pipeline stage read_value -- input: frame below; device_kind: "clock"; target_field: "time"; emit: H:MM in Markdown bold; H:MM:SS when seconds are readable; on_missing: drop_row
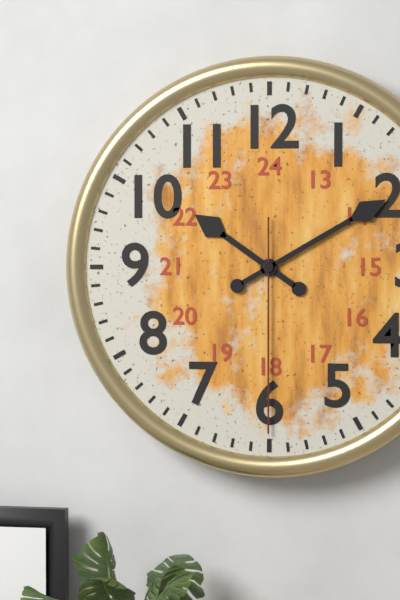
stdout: **10:10:30**
